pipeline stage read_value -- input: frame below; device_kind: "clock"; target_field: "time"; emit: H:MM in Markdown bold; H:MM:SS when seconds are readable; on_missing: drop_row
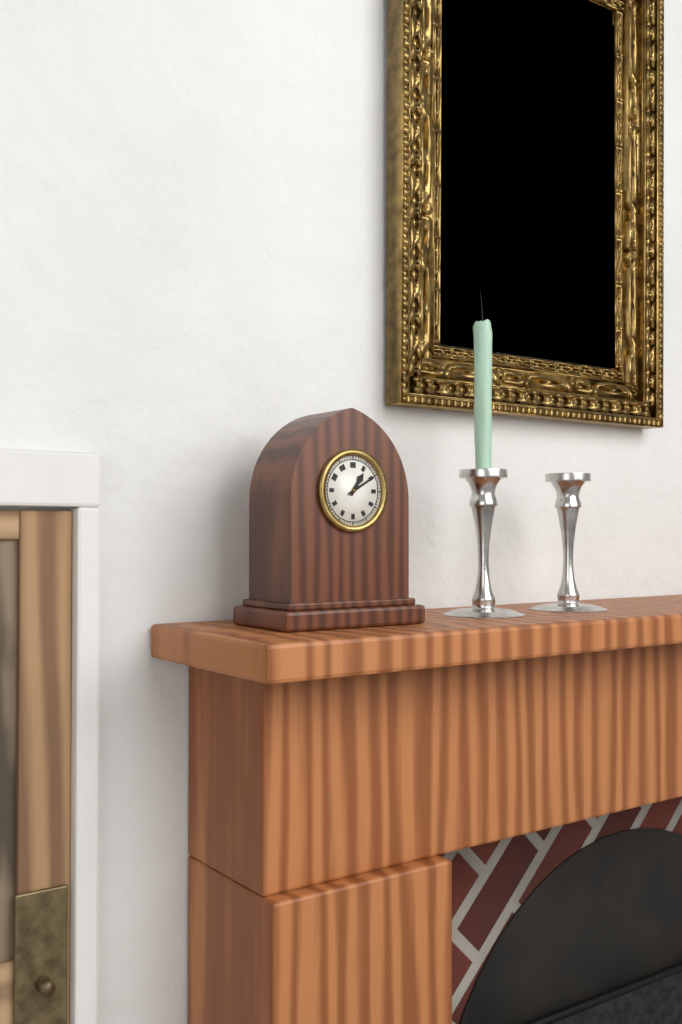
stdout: **1:10**
